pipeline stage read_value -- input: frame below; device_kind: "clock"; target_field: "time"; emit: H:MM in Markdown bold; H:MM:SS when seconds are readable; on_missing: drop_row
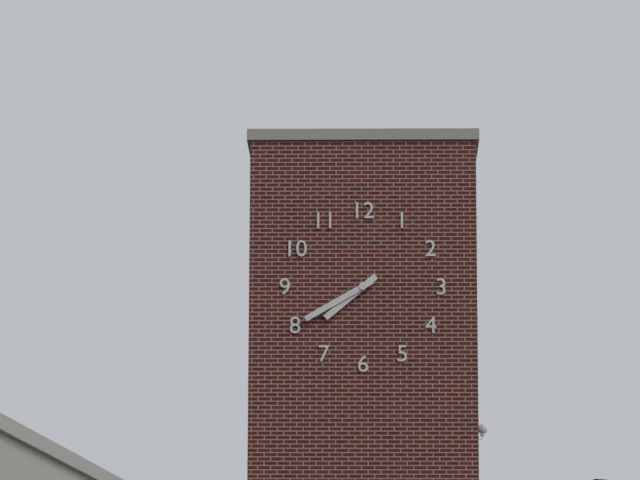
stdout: **7:40**
